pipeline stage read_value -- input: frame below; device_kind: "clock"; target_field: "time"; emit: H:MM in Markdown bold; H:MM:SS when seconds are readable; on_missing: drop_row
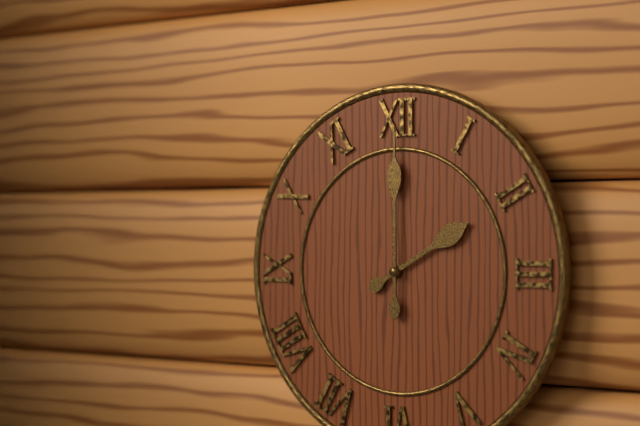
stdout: **2:00**
